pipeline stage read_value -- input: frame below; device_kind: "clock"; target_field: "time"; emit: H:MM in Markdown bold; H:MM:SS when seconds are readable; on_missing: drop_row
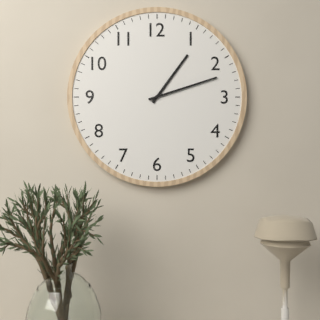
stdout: **1:12**
